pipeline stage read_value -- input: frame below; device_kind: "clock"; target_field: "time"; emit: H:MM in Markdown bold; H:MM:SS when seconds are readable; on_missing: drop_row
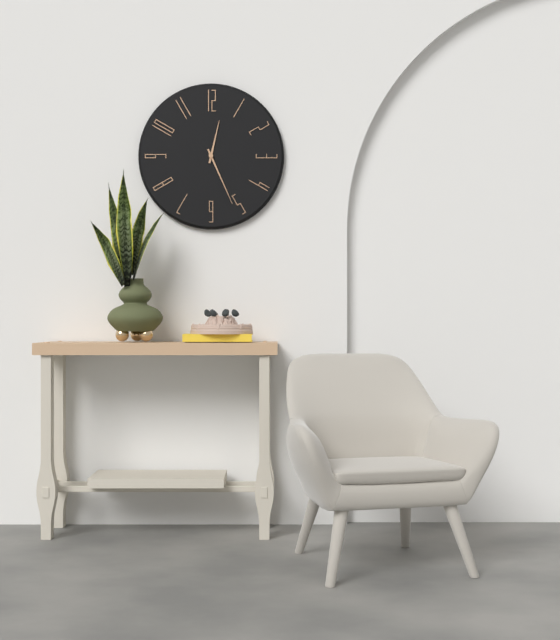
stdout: **12:26**
